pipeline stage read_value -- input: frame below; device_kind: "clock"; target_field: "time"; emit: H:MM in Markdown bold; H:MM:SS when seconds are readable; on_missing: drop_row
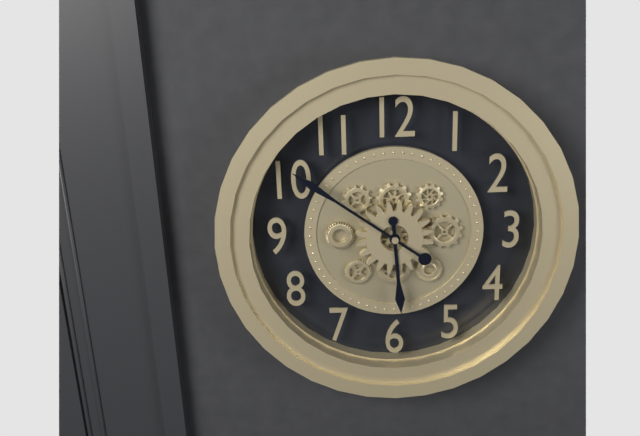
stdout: **5:51**
